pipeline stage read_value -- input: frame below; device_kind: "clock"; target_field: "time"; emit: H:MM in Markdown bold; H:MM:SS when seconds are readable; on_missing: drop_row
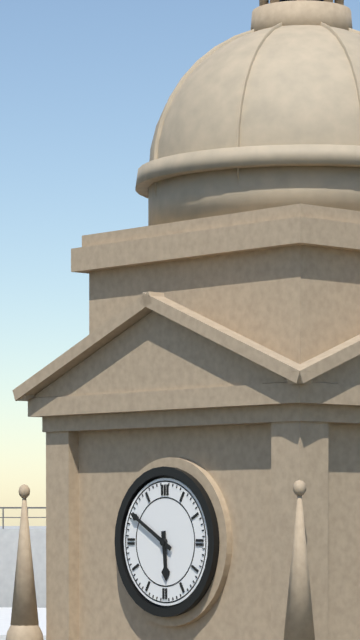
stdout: **5:50**
